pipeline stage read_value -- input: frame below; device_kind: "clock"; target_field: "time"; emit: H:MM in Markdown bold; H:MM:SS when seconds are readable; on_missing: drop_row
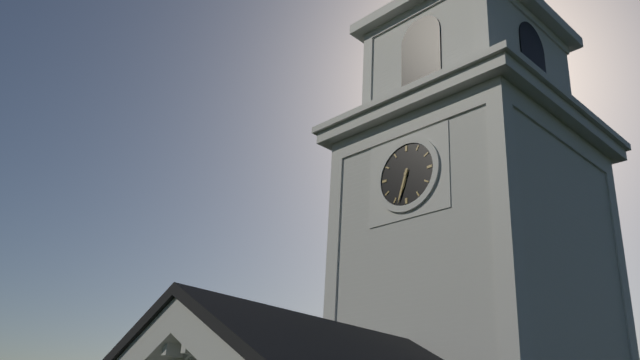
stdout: **6:33**
